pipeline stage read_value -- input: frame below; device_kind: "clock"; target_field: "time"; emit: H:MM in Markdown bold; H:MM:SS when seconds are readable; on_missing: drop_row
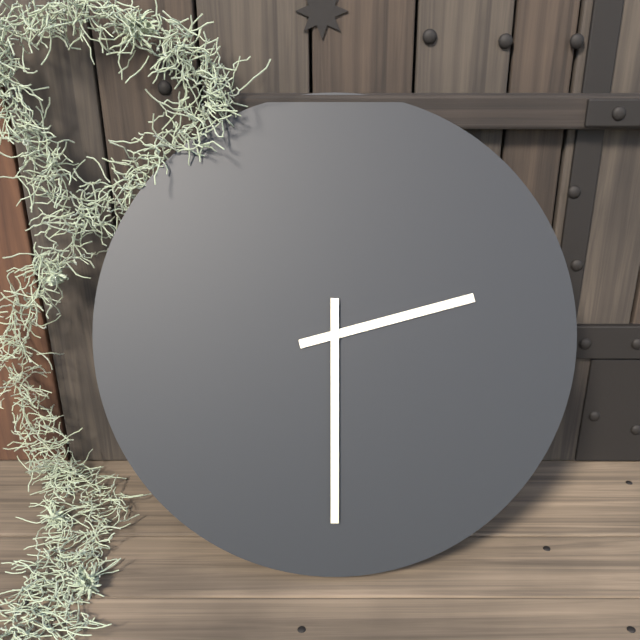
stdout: **2:30**
